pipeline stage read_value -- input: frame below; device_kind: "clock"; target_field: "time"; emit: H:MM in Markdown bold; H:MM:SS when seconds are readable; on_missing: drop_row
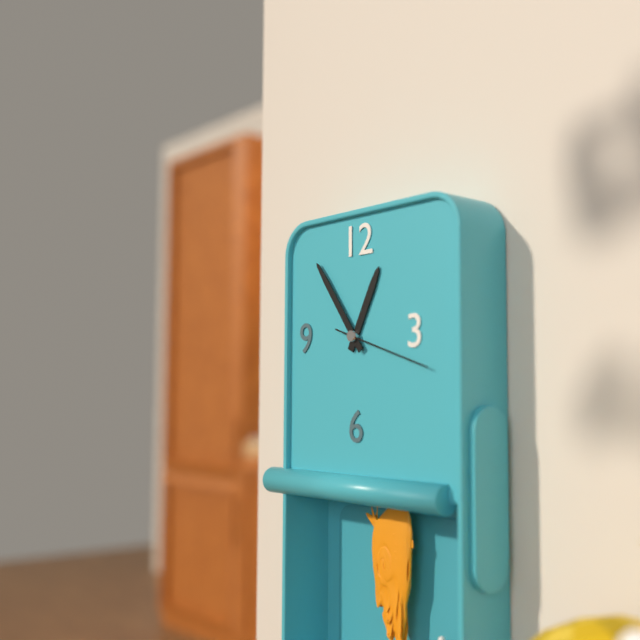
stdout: **12:54**
